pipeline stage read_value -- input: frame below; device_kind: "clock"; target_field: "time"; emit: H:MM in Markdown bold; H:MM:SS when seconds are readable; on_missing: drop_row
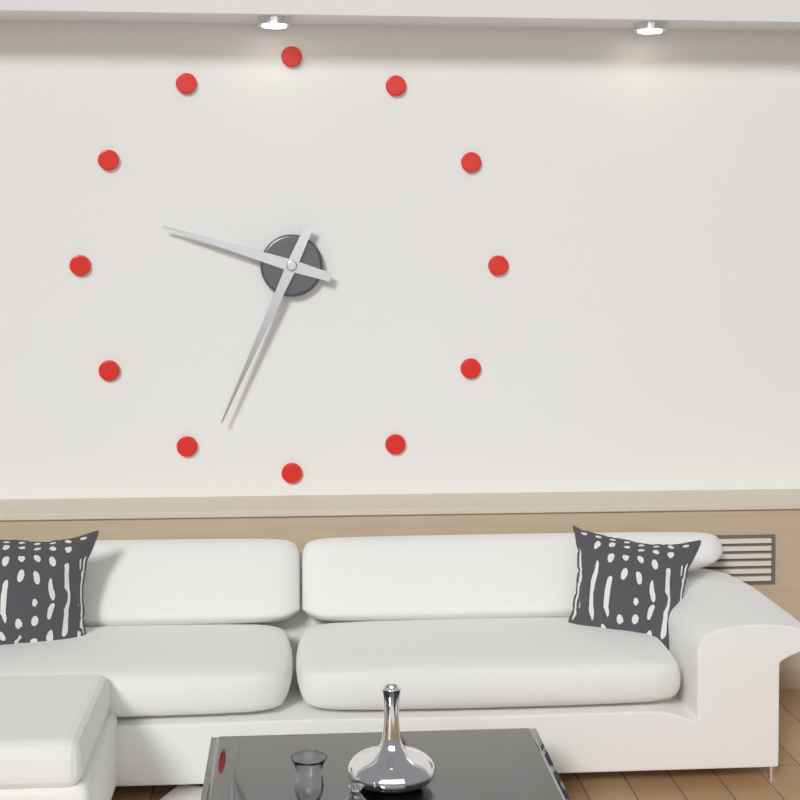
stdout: **9:34**
